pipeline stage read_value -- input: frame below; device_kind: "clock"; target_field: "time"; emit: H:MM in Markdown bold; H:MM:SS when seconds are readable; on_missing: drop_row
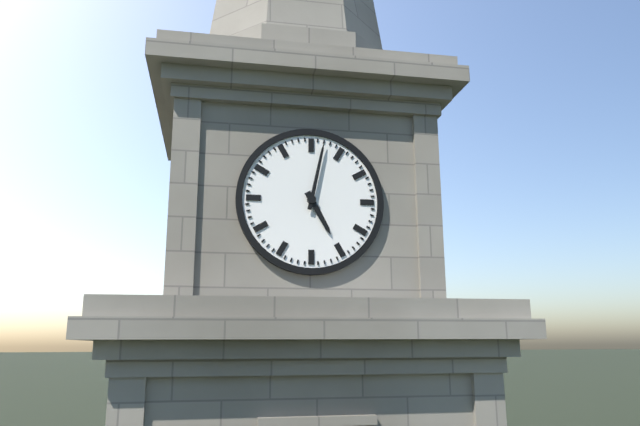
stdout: **5:02**
